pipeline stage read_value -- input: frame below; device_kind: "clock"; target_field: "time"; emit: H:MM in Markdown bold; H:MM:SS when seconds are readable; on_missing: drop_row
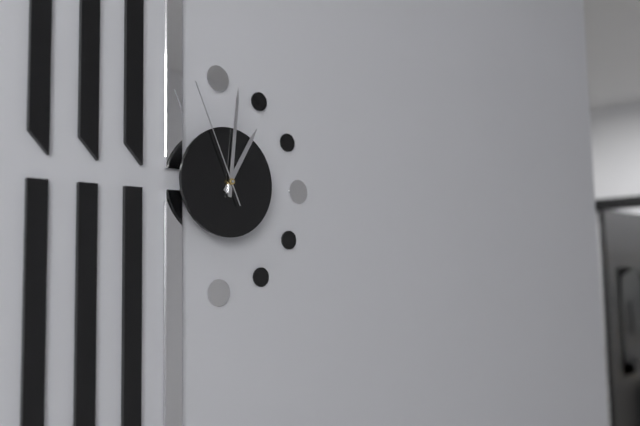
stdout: **1:01:56**
